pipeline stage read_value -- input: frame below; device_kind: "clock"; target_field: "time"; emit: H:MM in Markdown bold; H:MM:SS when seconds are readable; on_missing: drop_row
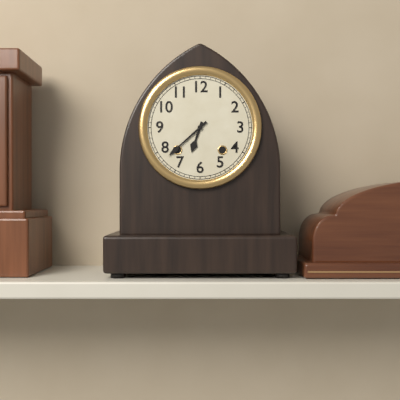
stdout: **6:38**
